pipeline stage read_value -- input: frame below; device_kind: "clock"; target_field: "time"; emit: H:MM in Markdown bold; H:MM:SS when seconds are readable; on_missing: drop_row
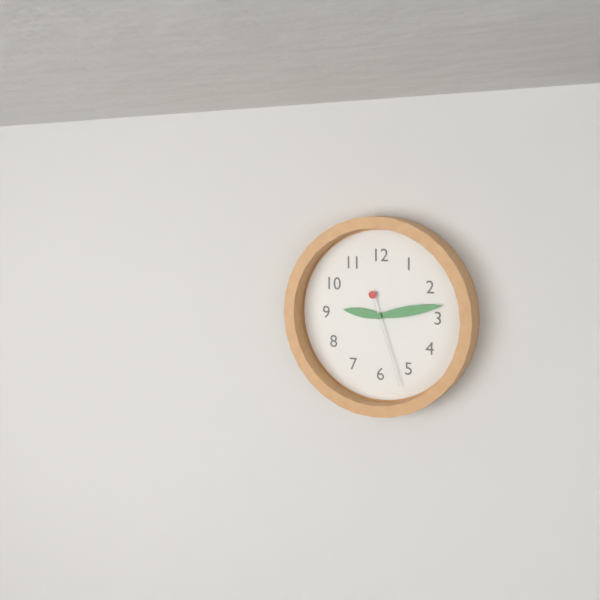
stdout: **9:13:27**
